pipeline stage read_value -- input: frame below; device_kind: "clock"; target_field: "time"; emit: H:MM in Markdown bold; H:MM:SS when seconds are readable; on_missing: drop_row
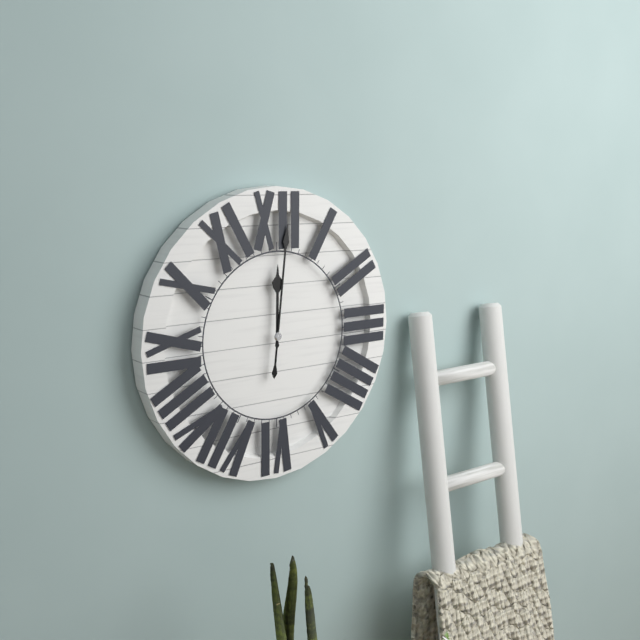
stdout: **12:01**
